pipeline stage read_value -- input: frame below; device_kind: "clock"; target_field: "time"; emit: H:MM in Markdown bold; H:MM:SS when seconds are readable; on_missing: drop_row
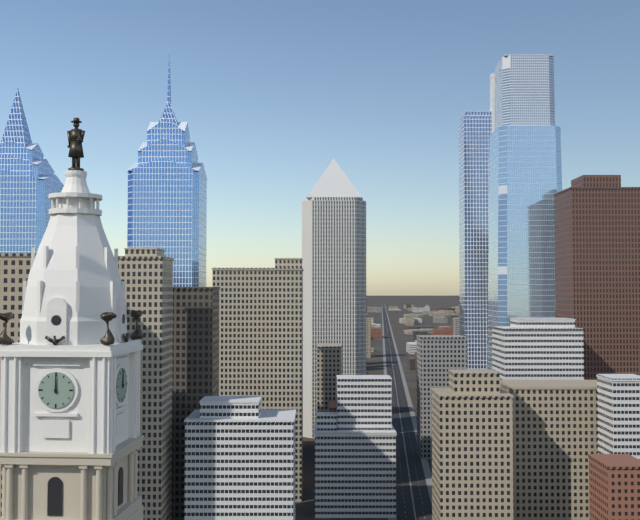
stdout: **12:00**
